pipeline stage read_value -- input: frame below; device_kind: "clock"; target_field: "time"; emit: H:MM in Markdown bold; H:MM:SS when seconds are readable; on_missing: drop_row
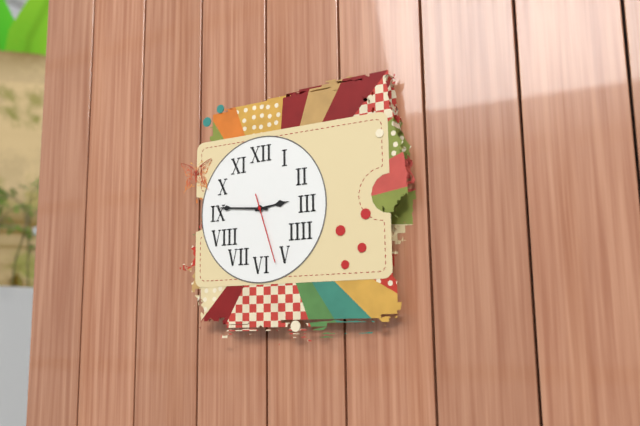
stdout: **2:46:27**
